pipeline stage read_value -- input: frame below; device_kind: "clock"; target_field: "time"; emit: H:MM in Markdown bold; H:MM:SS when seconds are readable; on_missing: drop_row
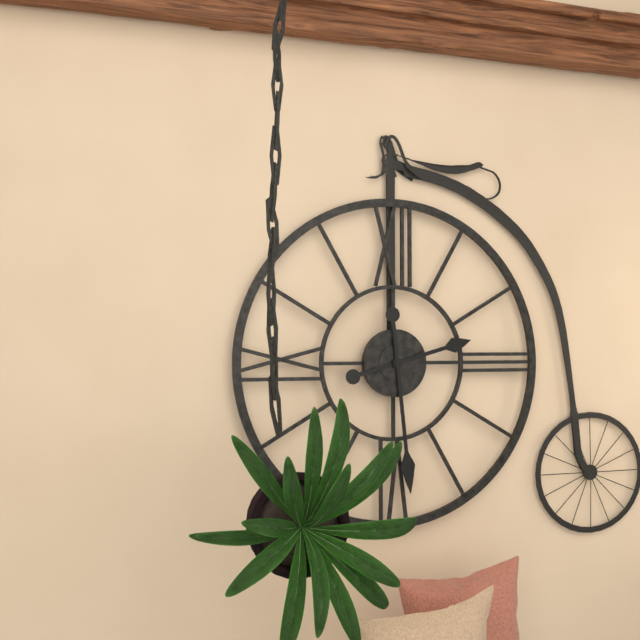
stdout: **2:29**
